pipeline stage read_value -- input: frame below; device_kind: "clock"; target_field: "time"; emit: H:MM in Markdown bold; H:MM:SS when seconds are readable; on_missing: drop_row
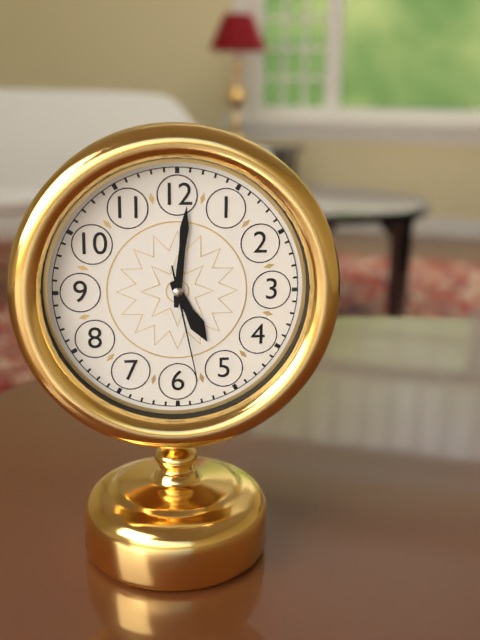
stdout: **5:01:28**
